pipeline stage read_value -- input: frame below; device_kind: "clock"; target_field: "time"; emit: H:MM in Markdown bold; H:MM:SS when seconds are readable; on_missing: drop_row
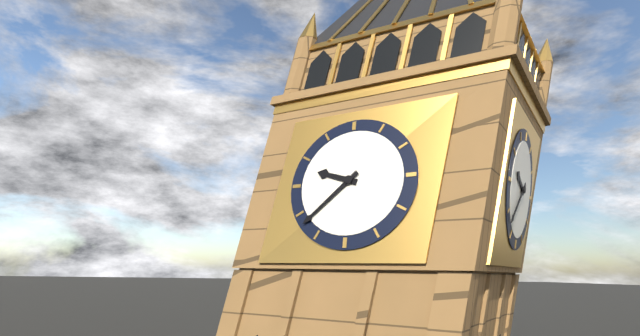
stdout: **9:38**
